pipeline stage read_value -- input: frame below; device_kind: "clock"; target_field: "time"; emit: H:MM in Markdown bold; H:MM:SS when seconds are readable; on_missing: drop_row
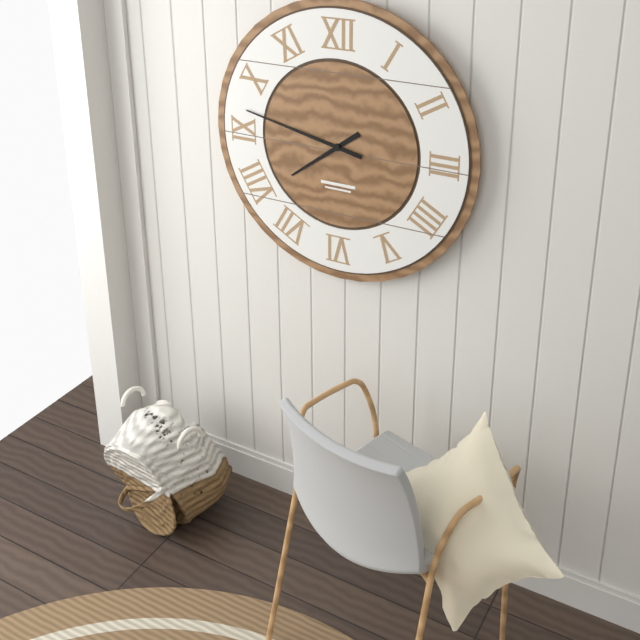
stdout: **7:47**
